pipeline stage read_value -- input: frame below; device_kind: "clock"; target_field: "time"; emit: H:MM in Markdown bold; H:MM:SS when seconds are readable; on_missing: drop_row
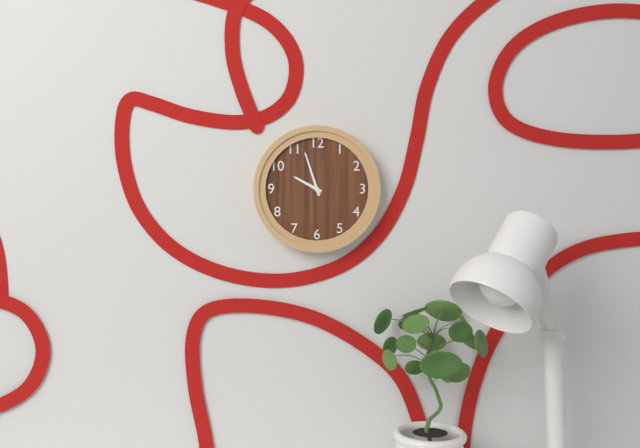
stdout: **9:57**
